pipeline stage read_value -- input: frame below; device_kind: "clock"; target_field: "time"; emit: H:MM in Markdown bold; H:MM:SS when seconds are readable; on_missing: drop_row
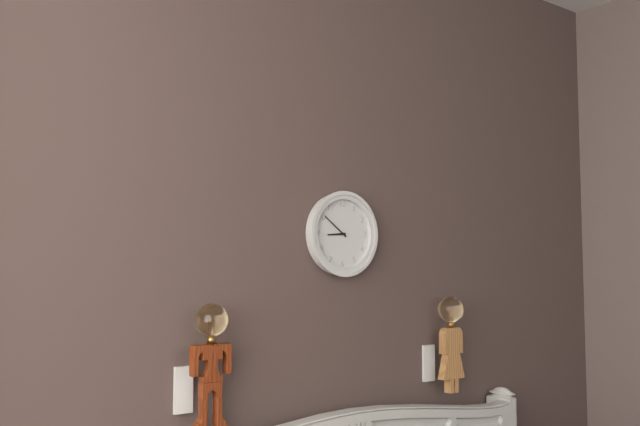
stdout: **8:51**
